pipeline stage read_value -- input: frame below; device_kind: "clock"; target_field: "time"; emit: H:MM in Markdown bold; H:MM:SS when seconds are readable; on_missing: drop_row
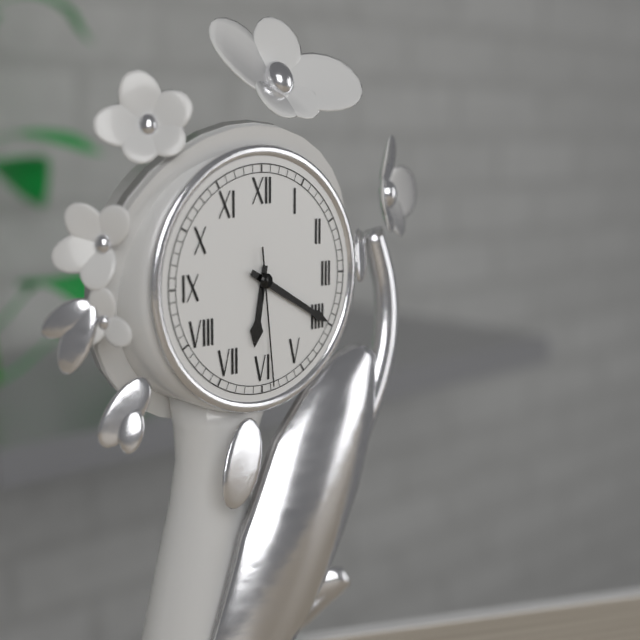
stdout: **6:20:29**
